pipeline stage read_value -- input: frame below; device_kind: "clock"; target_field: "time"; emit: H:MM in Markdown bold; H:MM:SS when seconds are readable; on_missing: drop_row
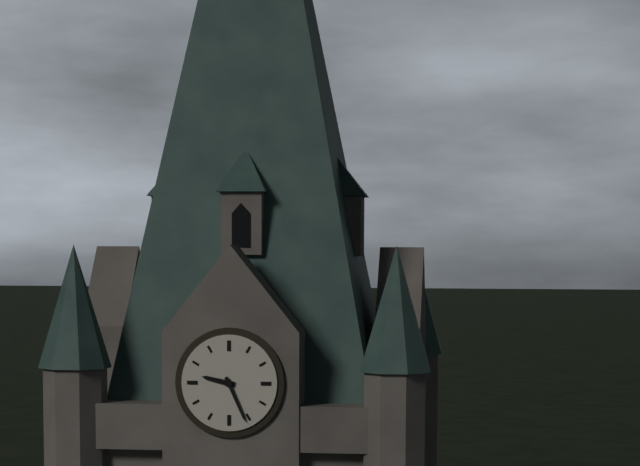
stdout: **9:26**
